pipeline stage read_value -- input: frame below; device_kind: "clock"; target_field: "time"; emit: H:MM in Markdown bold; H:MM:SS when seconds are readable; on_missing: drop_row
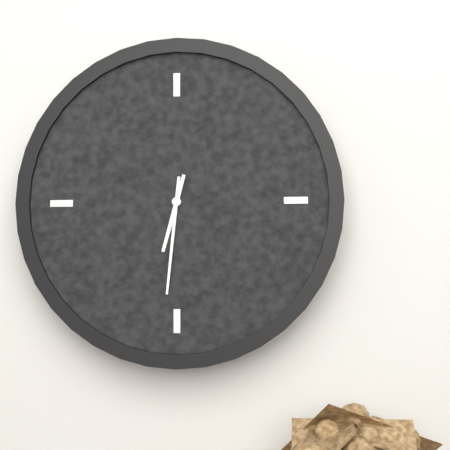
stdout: **6:31**
